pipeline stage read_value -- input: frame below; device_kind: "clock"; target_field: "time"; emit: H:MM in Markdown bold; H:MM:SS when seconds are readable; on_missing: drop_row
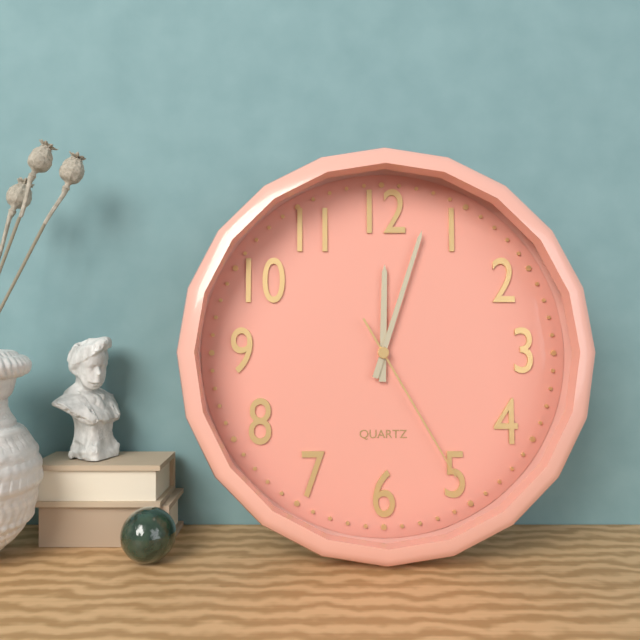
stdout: **12:03:25**
